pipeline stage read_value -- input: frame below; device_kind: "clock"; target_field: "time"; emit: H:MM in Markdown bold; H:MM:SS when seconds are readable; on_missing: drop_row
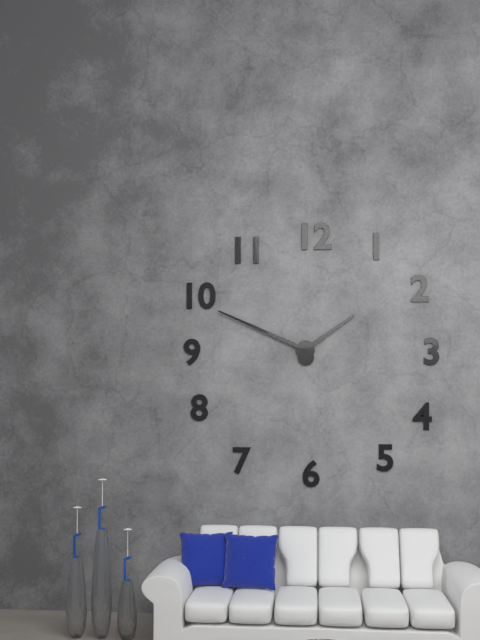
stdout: **1:49**
